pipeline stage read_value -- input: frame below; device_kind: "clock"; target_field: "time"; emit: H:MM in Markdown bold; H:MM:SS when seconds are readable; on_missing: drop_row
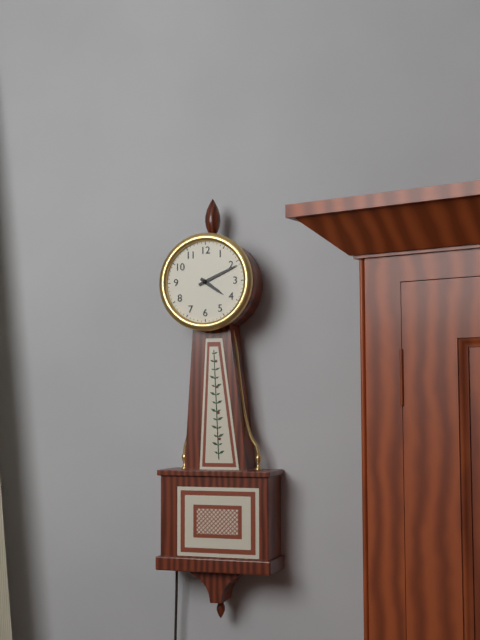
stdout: **4:11**
